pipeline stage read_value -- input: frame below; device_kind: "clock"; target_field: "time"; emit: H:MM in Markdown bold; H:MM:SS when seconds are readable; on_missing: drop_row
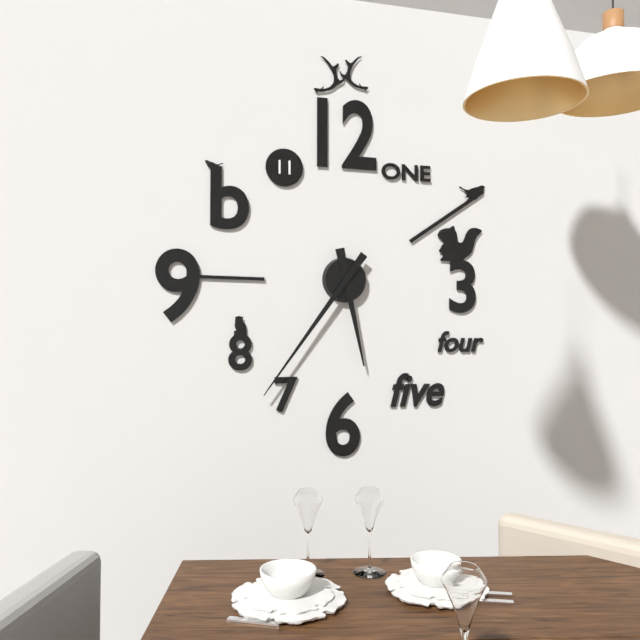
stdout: **5:36**
